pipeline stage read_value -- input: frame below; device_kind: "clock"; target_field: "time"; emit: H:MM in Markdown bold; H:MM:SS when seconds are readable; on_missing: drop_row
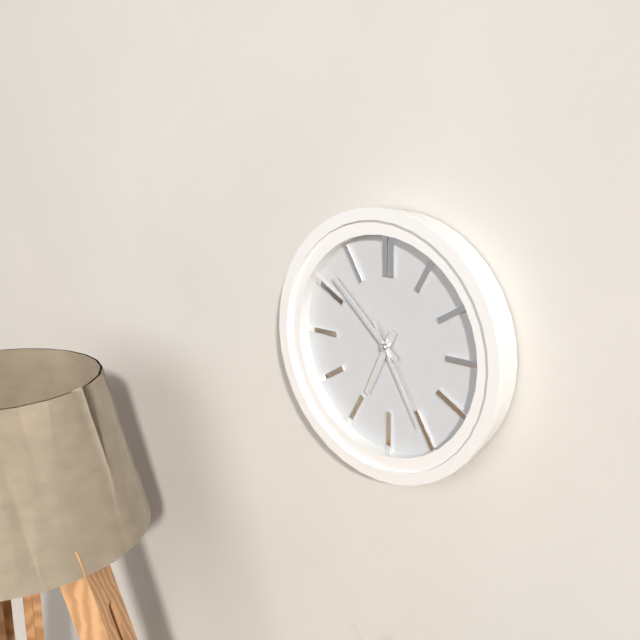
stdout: **6:52:25**
